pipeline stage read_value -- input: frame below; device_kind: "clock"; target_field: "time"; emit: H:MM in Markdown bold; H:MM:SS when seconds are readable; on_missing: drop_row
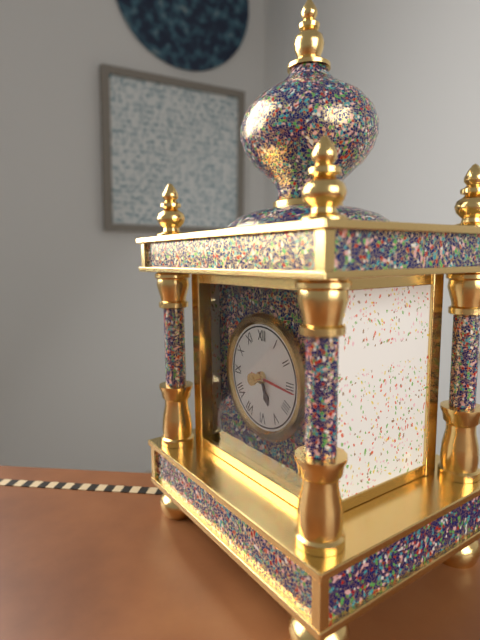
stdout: **5:16**
